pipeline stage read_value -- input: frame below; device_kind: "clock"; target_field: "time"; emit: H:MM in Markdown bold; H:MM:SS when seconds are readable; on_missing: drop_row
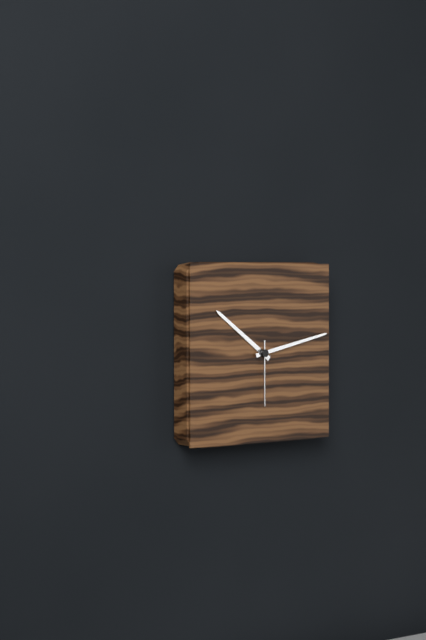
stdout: **10:13:30**
